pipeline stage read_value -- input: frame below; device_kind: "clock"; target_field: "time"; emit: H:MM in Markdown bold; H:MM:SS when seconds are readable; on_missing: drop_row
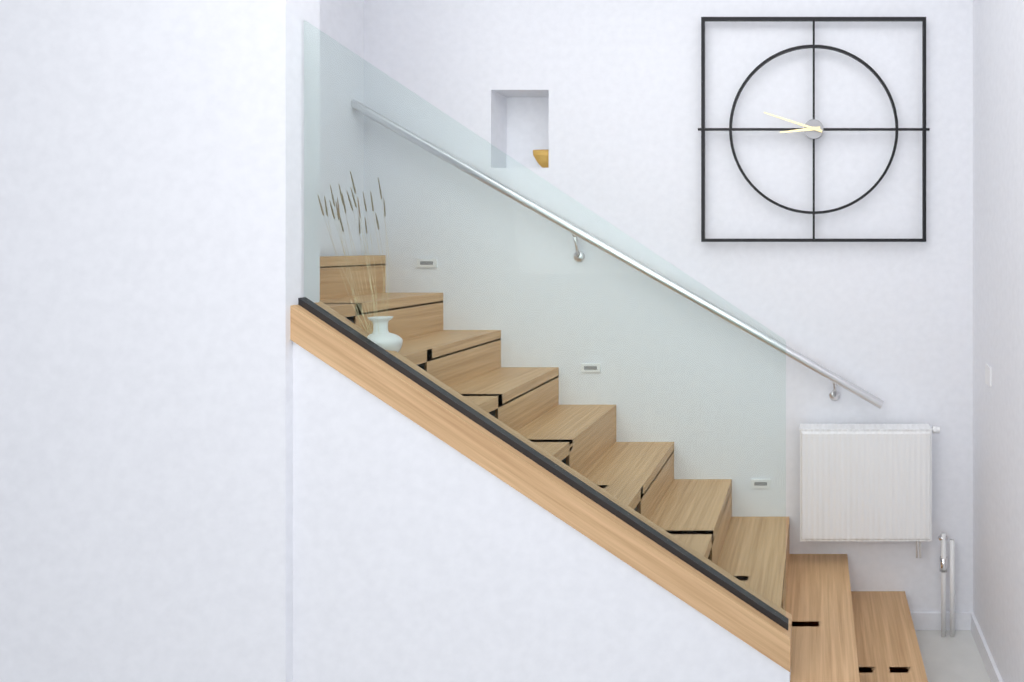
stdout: **8:48**
